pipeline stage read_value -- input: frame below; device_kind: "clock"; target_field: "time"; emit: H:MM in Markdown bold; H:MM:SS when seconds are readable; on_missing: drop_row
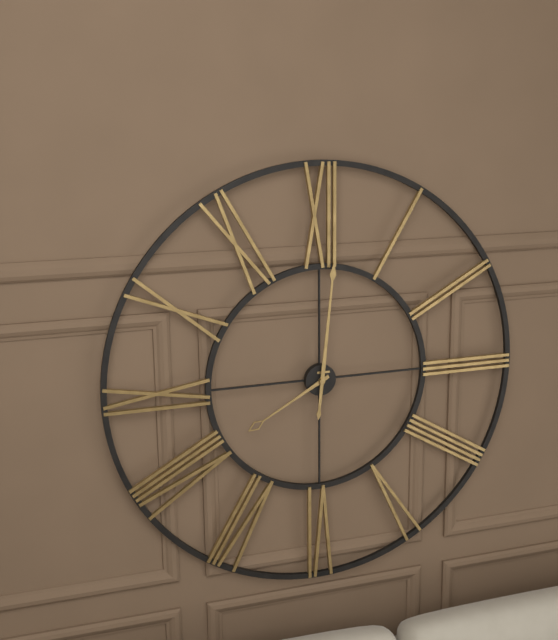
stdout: **8:01**
